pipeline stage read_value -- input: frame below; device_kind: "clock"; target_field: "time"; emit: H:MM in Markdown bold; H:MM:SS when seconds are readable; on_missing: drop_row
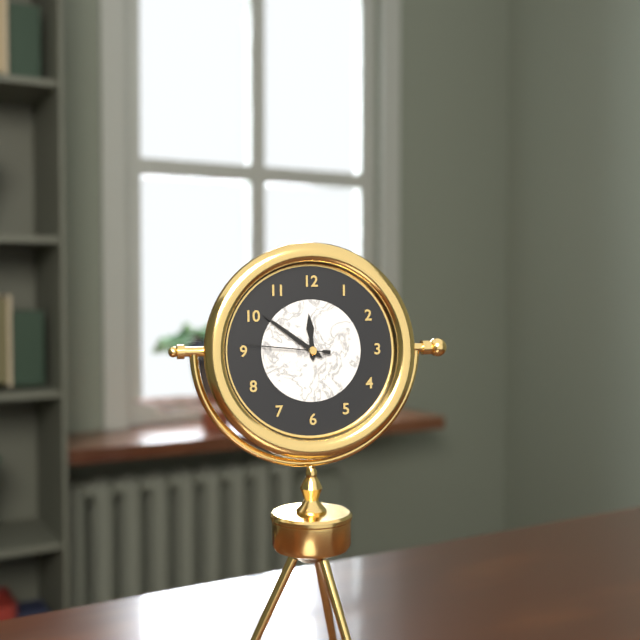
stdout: **11:51:46**
